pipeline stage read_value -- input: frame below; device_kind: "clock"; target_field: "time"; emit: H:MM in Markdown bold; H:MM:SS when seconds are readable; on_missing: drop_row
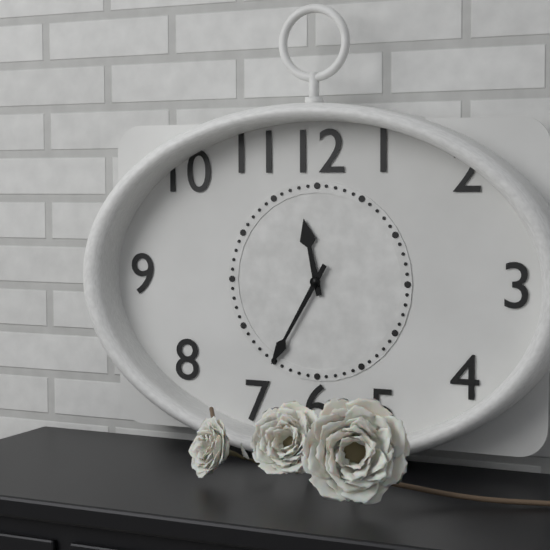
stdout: **11:35**
